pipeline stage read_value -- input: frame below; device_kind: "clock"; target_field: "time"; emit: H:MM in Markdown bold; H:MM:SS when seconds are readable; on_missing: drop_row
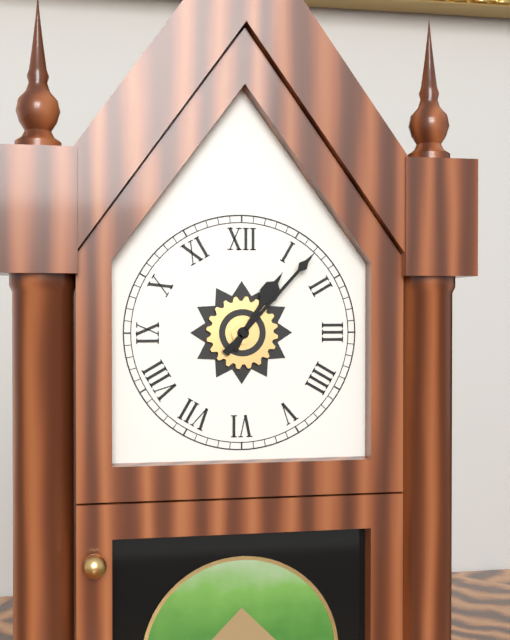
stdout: **1:07**
